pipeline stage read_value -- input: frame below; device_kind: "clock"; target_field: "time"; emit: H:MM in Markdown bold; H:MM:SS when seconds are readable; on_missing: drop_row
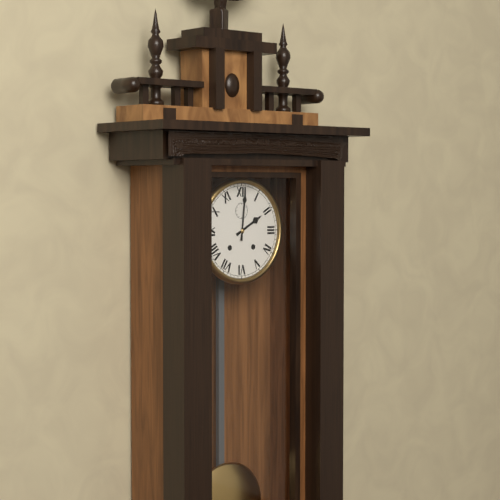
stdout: **2:01**
